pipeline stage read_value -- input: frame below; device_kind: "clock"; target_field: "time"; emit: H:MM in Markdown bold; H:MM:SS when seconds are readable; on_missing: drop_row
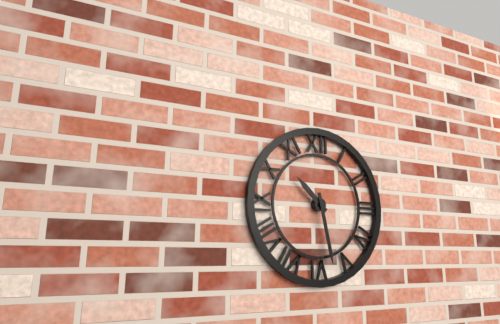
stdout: **10:28**
